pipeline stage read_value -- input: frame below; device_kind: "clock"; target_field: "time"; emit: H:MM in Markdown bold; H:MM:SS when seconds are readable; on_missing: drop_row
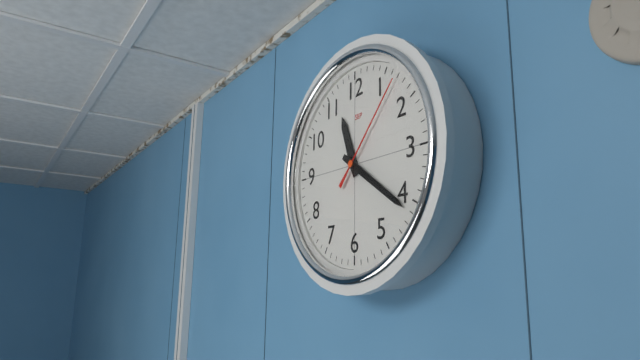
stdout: **11:21:07**
